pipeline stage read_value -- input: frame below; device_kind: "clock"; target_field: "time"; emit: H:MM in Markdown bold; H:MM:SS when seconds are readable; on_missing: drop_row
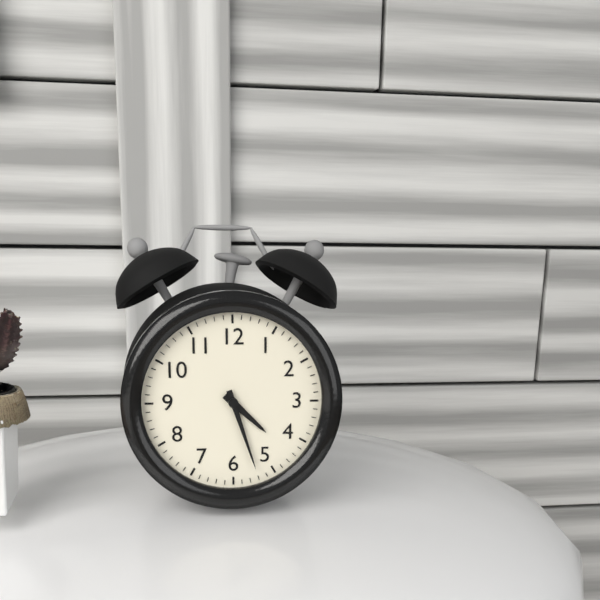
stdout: **4:27**
